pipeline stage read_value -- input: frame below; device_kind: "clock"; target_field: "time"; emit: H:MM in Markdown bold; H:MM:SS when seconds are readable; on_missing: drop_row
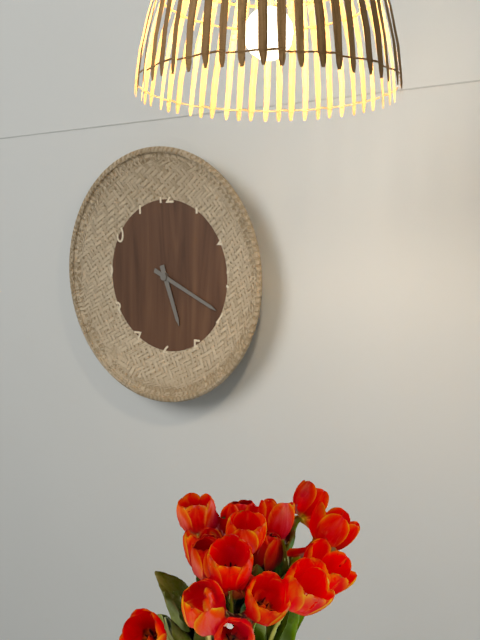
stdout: **5:19**
